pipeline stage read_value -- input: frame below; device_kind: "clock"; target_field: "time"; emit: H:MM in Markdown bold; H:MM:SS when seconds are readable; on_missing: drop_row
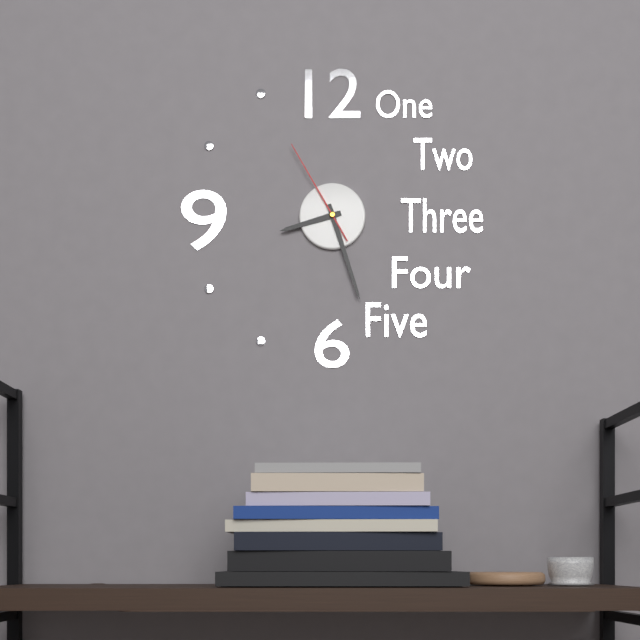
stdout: **8:27:55**
